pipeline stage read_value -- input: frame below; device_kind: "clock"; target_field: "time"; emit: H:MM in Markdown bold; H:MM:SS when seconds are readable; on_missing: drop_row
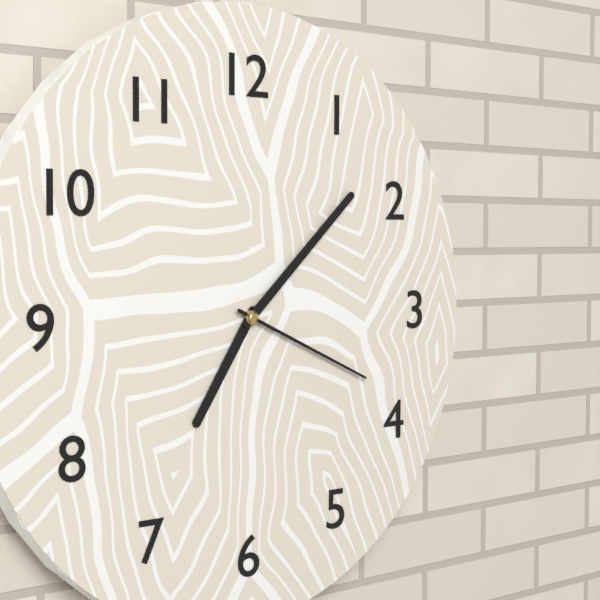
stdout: **7:08:19**
